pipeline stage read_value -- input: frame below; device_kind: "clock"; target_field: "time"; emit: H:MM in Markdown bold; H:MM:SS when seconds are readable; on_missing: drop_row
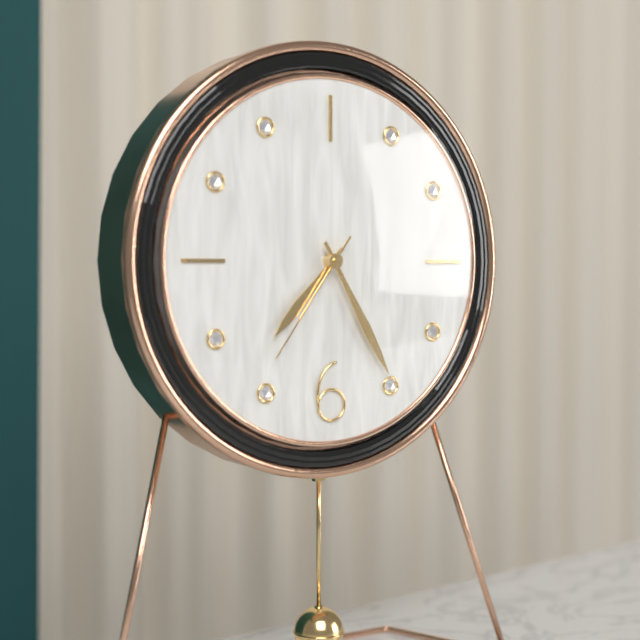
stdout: **7:25:36**
